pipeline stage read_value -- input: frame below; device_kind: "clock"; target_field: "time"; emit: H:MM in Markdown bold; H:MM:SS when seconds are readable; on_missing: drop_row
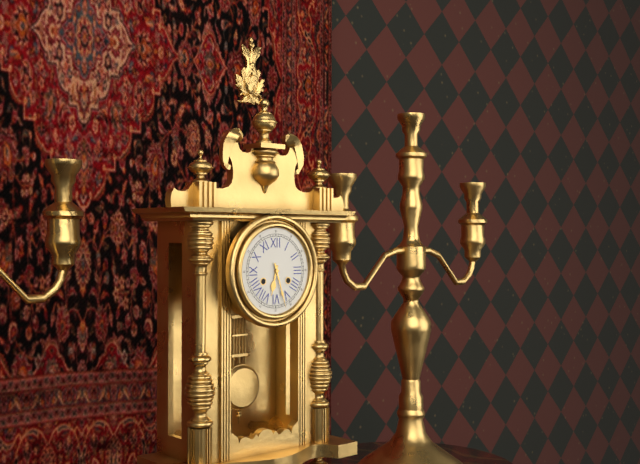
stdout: **6:27**
